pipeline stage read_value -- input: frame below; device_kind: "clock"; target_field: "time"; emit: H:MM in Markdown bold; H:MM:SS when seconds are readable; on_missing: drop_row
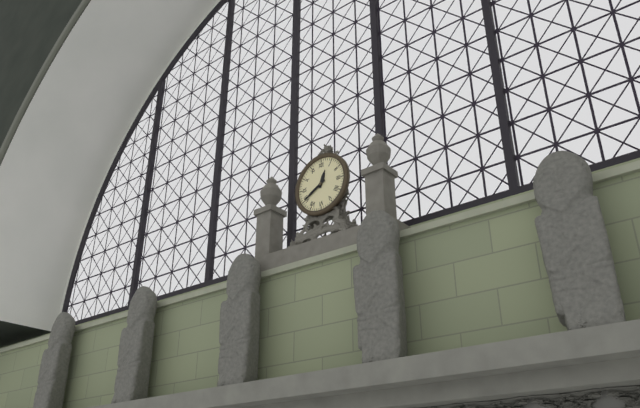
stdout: **12:40**
